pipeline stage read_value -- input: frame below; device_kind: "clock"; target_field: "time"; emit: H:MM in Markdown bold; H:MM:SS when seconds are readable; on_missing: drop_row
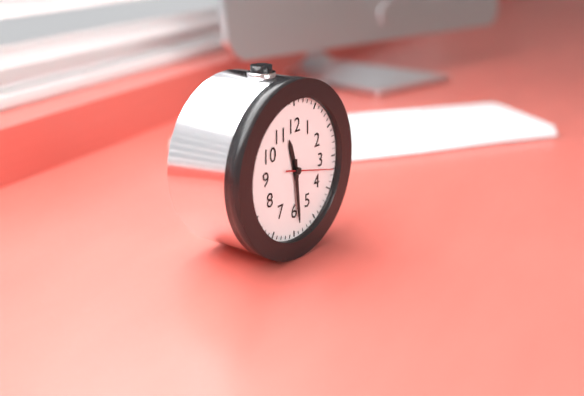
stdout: **11:29**
